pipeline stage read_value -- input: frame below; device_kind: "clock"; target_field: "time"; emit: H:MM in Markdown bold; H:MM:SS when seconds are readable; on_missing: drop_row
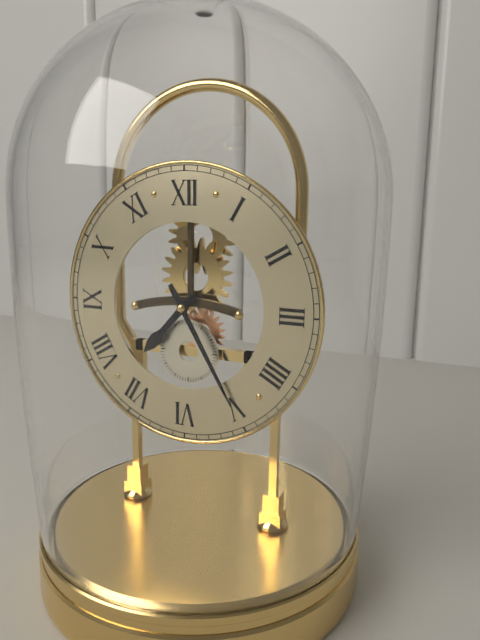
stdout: **7:25**
